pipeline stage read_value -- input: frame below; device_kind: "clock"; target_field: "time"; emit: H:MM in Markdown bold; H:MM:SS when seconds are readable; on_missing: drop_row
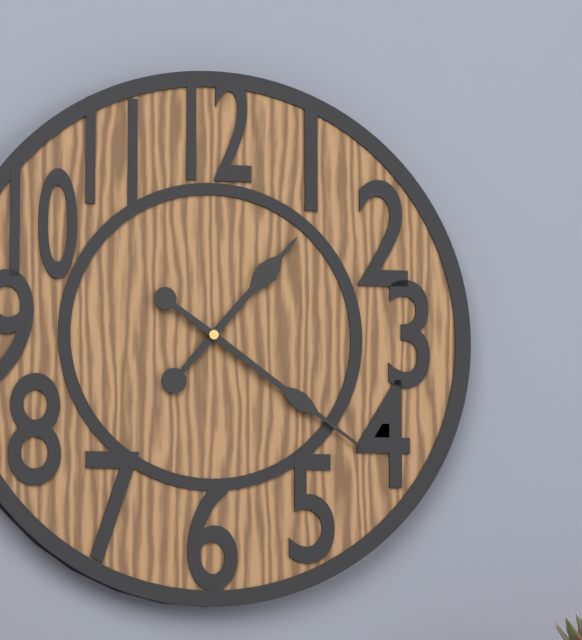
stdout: **1:21**
